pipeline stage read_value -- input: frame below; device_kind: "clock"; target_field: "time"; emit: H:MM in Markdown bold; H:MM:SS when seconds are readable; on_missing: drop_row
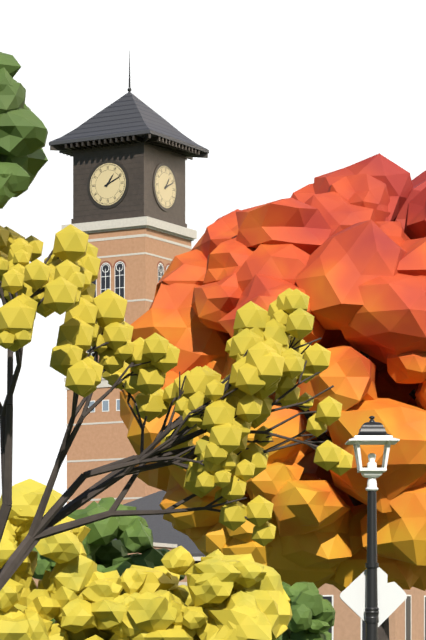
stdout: **1:11**
